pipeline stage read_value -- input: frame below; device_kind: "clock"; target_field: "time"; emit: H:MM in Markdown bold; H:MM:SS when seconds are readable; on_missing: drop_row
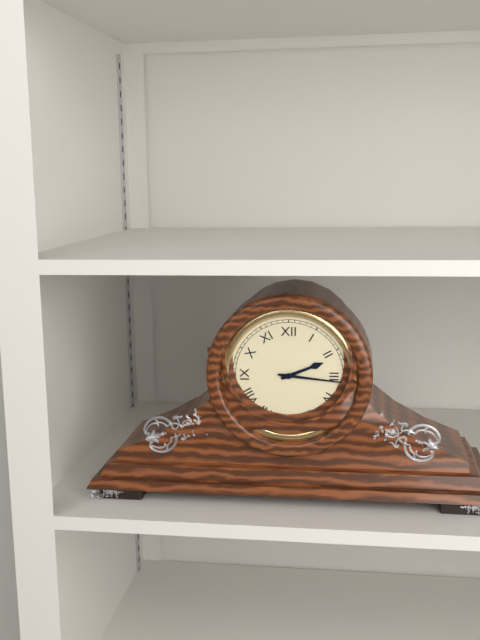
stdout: **2:16**
